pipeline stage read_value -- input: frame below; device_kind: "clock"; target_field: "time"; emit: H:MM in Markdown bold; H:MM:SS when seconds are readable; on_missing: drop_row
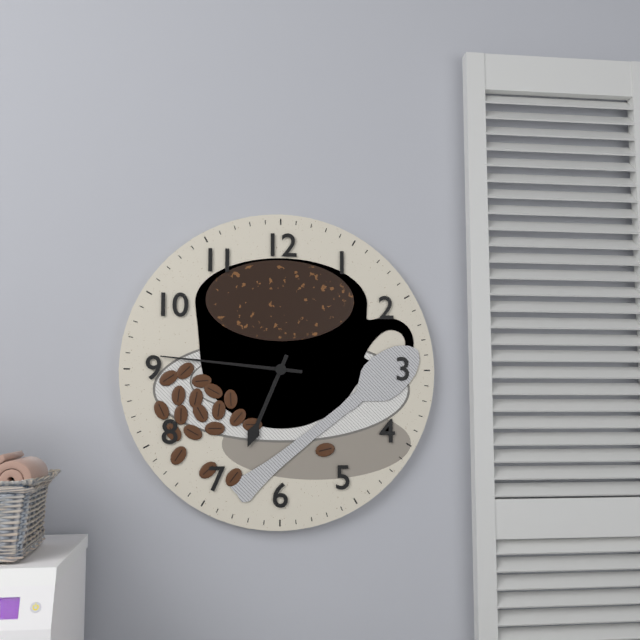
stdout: **6:46**
